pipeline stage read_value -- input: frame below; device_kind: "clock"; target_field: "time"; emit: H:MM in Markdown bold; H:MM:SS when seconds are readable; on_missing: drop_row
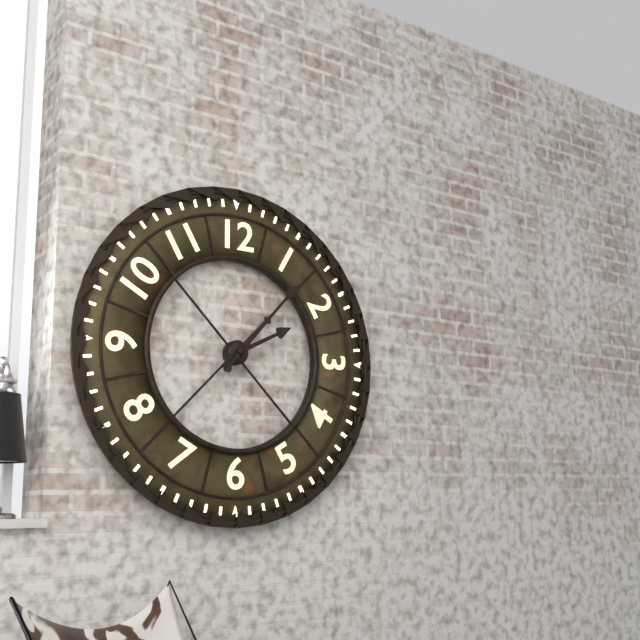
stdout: **2:07**
